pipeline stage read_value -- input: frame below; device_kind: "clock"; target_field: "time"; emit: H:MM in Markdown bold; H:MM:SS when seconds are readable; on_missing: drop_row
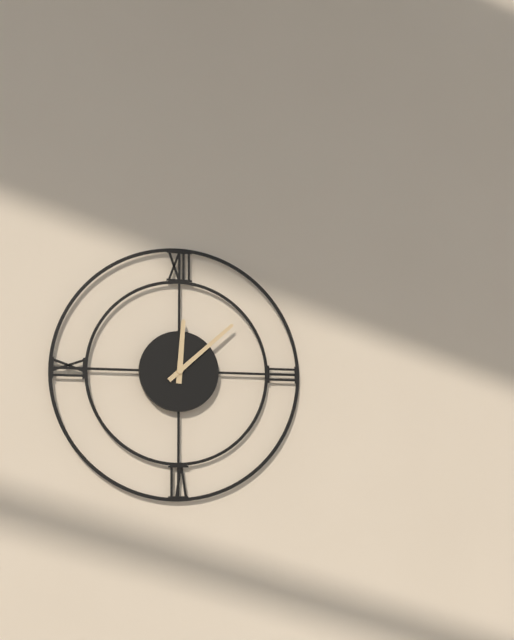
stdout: **12:08**
